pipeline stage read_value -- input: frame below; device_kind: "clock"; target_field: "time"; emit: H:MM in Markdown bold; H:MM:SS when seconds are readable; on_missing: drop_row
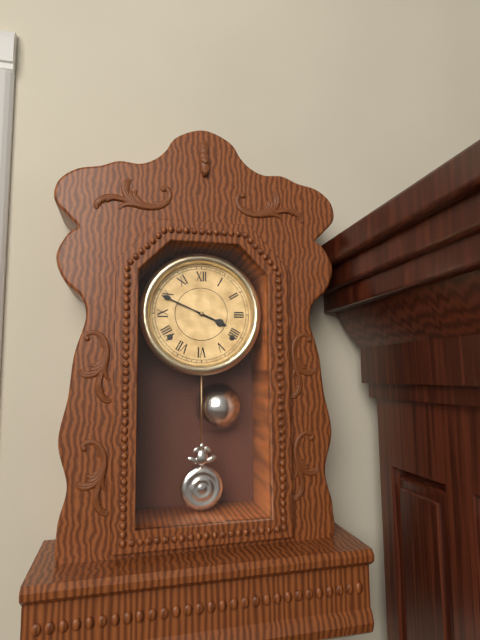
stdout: **3:49**
